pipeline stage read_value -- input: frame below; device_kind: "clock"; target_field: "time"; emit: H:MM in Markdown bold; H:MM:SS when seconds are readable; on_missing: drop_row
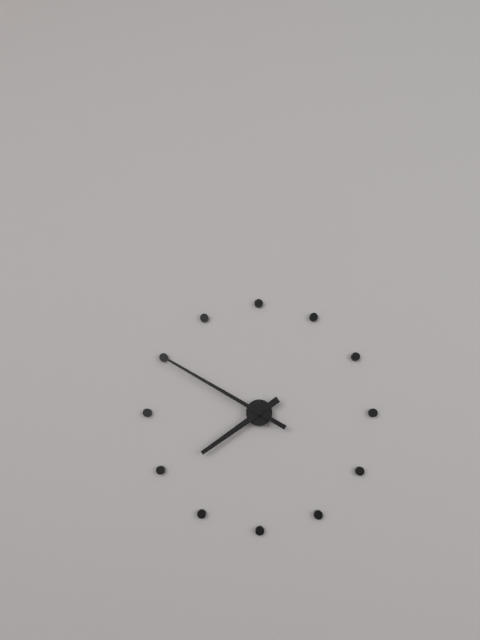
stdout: **7:50**
